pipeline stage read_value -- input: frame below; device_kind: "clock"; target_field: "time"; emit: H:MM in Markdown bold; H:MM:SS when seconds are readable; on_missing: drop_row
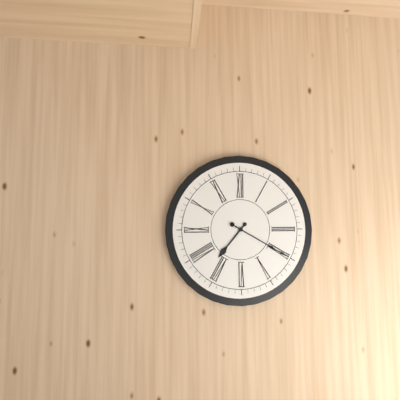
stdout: **7:20**
